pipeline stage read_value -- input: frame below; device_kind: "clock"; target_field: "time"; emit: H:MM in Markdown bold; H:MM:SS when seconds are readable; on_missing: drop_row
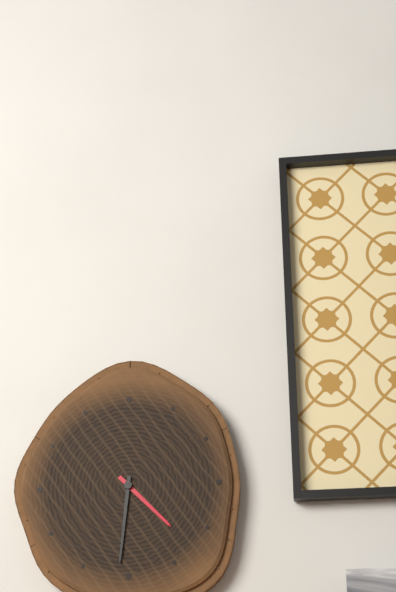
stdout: **4:31**
